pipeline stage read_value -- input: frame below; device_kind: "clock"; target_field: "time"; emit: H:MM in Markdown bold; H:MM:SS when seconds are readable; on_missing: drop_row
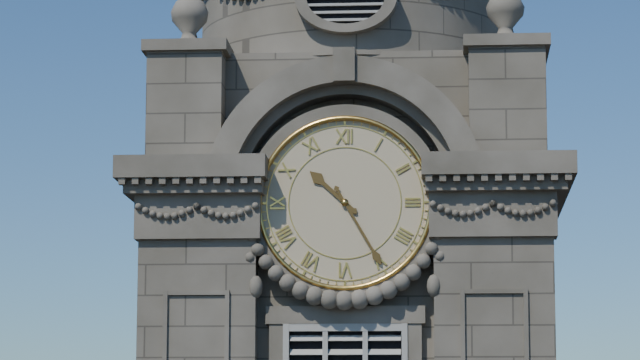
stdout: **10:25**
